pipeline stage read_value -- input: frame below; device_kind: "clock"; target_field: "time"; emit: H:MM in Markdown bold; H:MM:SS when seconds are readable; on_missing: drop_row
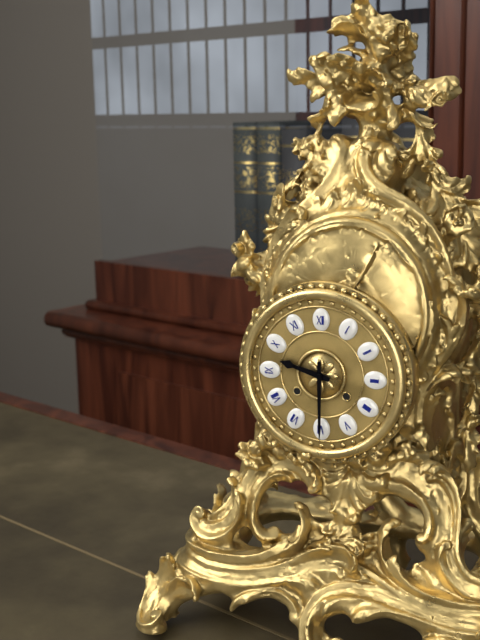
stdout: **9:30**
